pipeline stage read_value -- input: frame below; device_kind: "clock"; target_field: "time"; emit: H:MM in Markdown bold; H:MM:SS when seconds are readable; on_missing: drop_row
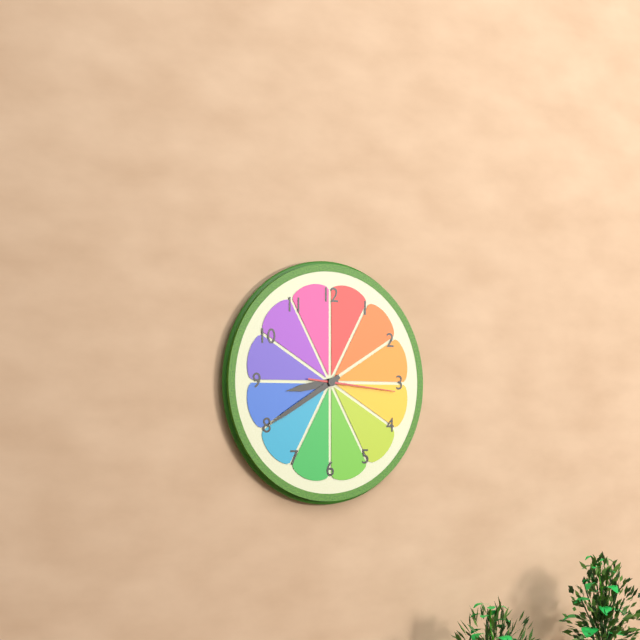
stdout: **8:40:16**
